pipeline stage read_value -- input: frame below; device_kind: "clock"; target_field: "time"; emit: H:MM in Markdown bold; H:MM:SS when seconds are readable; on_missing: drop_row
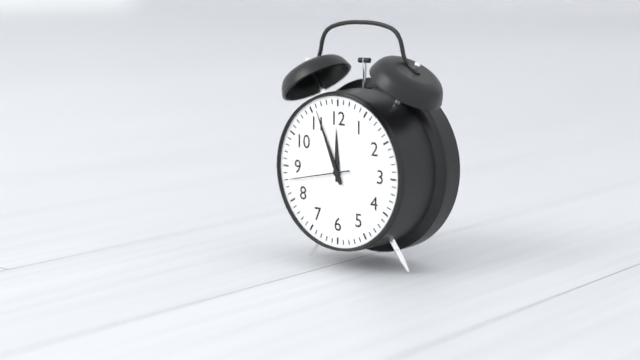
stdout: **11:56:43**
